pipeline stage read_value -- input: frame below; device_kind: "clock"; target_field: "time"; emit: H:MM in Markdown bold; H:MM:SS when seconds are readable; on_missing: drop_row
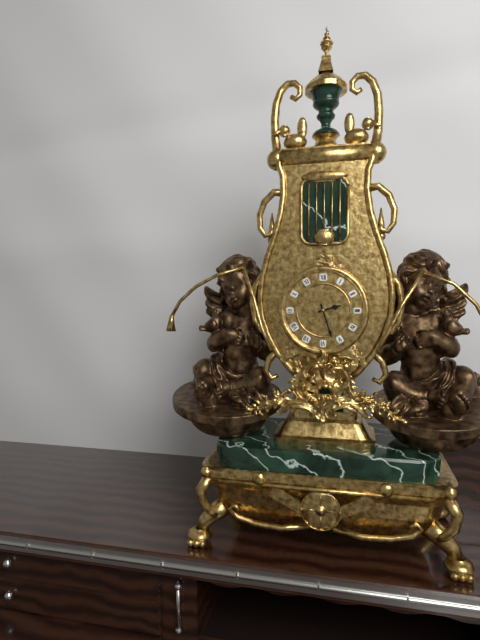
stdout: **2:27**
